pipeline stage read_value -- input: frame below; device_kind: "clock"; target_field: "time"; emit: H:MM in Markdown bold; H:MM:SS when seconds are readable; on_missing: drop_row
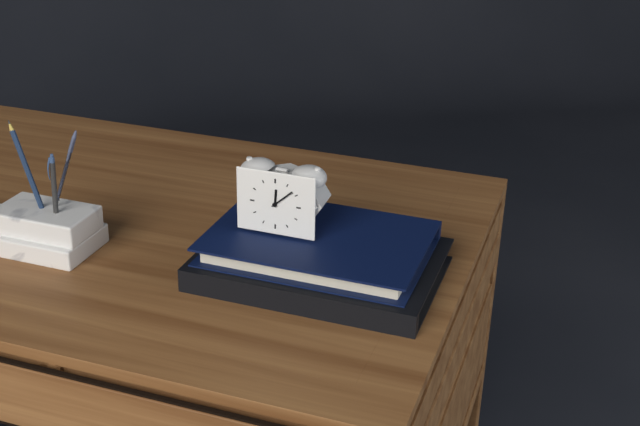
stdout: **12:08**
